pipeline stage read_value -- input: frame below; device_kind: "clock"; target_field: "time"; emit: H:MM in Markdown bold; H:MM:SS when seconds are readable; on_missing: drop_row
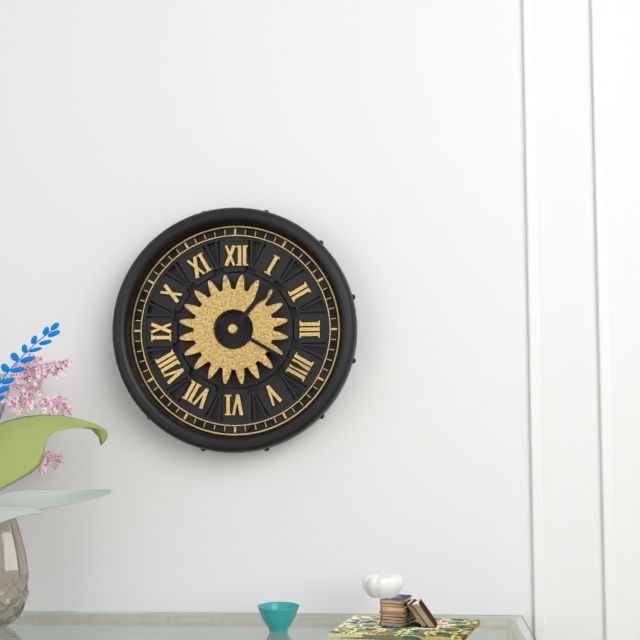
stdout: **1:20**
